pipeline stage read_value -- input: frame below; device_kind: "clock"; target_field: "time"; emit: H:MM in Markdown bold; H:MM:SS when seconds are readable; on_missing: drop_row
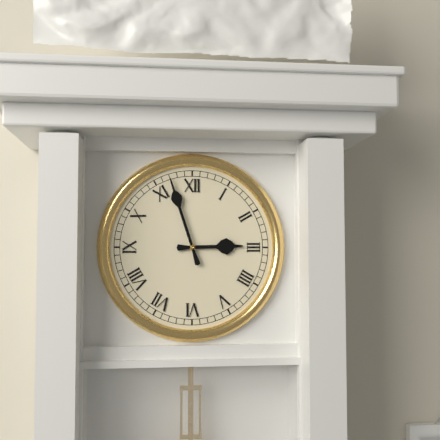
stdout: **2:57**
